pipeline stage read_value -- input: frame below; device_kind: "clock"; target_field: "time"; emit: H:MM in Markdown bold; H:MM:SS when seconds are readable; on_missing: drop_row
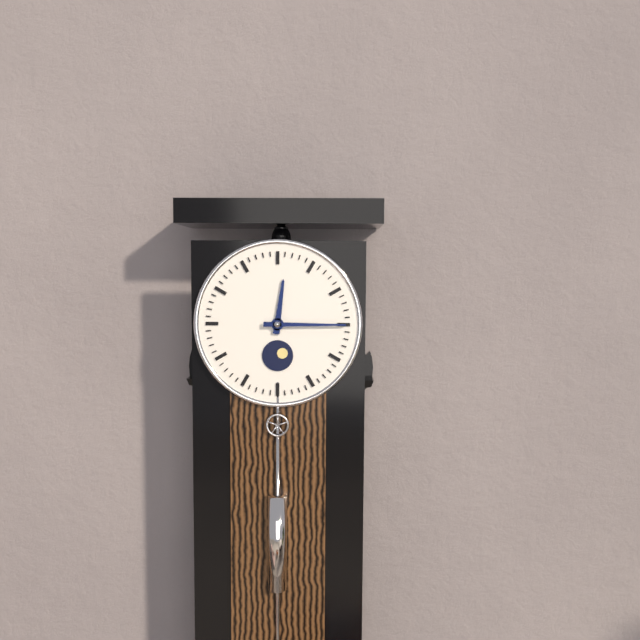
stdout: **12:15**
